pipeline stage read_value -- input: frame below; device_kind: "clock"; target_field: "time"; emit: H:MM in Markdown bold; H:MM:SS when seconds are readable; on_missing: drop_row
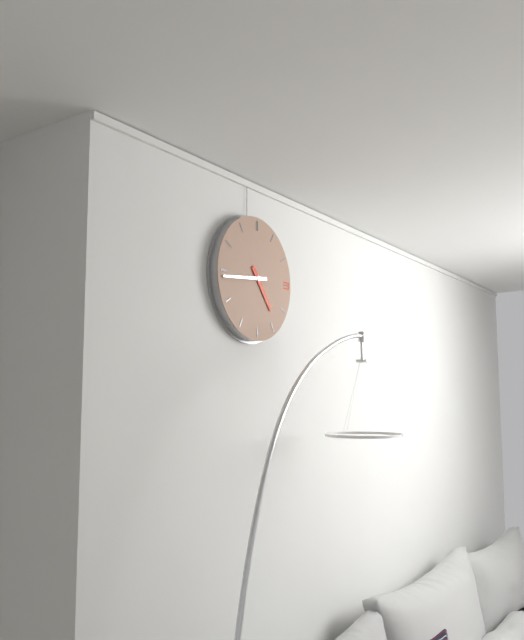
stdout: **4:44**
